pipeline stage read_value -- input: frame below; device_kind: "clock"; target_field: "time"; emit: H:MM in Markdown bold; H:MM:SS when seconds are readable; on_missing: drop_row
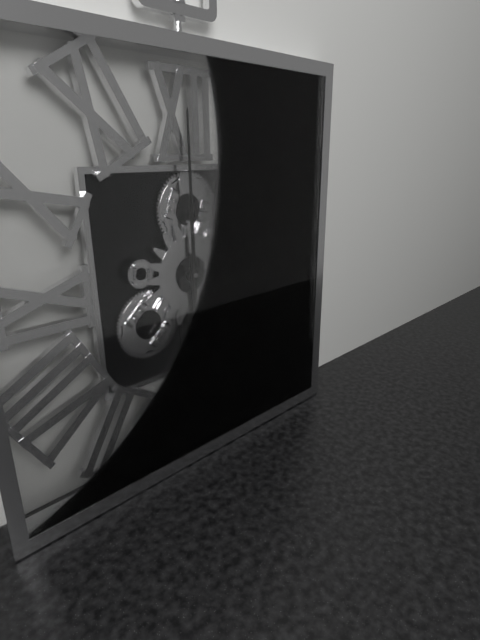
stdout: **6:00**
